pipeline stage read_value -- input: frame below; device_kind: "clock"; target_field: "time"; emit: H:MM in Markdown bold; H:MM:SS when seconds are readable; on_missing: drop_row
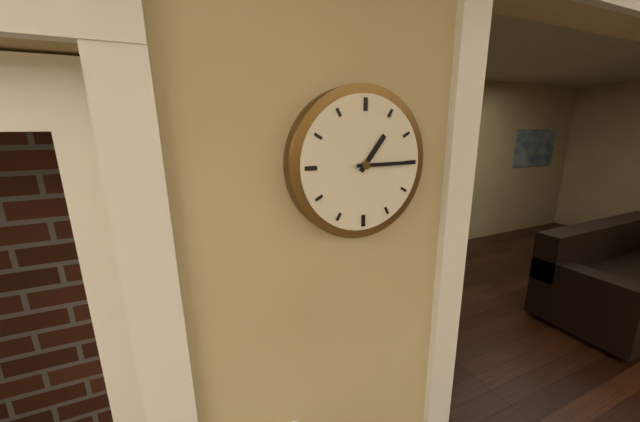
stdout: **1:15**
